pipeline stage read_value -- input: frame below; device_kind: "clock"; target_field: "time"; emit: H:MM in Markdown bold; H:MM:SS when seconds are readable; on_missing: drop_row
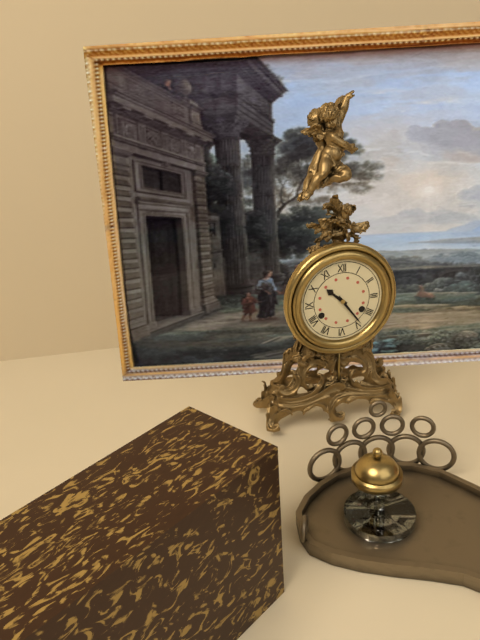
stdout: **10:24**
